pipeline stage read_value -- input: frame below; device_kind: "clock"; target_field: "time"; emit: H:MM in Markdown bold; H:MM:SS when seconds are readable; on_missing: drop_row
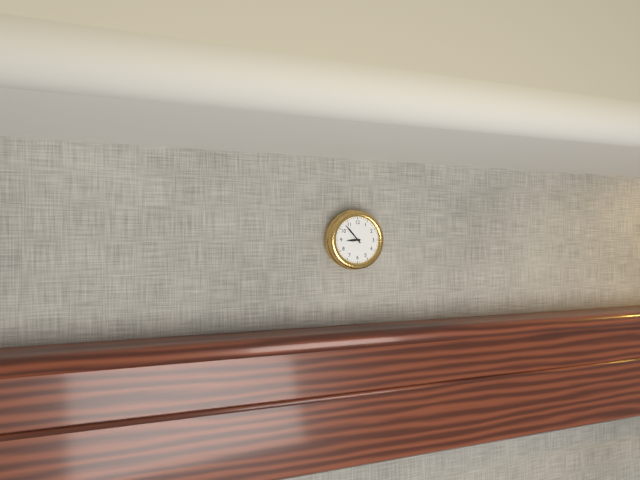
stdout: **8:53**
